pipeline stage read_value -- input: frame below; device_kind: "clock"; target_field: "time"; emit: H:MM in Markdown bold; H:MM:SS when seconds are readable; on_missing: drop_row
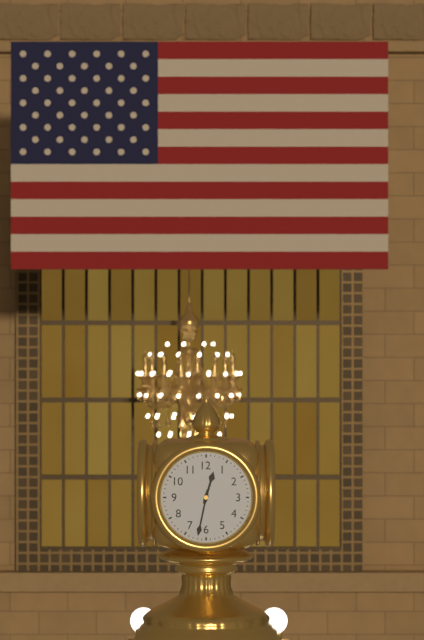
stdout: **12:32**
